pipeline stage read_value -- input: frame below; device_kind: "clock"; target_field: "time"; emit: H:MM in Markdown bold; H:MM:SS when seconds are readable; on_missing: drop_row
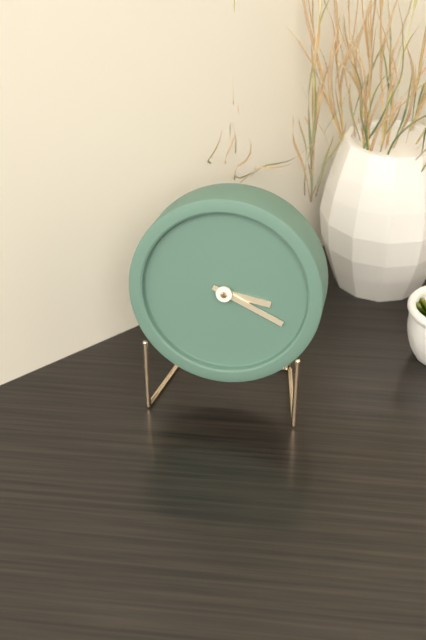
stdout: **3:19**
